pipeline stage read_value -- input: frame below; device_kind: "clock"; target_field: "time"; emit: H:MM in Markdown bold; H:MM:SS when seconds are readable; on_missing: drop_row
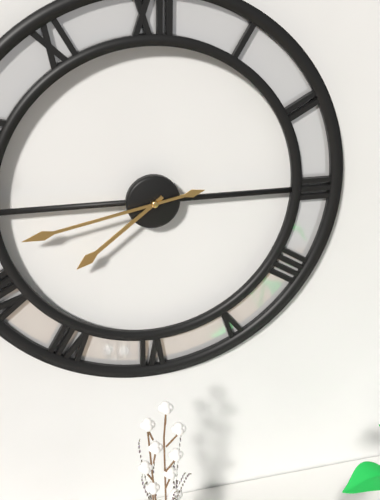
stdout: **7:43**
